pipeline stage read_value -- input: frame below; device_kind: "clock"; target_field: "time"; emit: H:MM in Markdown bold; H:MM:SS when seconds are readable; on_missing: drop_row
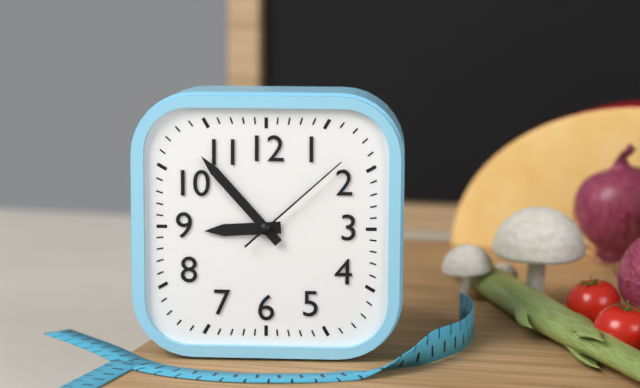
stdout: **8:53:08**
